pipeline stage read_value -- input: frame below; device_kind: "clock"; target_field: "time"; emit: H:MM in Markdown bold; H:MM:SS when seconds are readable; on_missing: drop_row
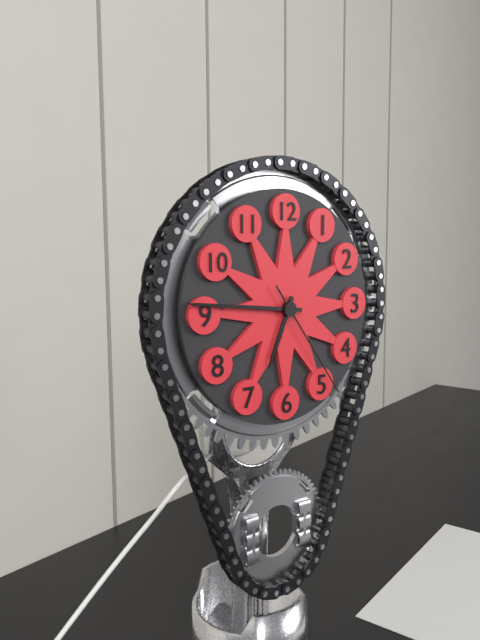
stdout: **6:46:24**
